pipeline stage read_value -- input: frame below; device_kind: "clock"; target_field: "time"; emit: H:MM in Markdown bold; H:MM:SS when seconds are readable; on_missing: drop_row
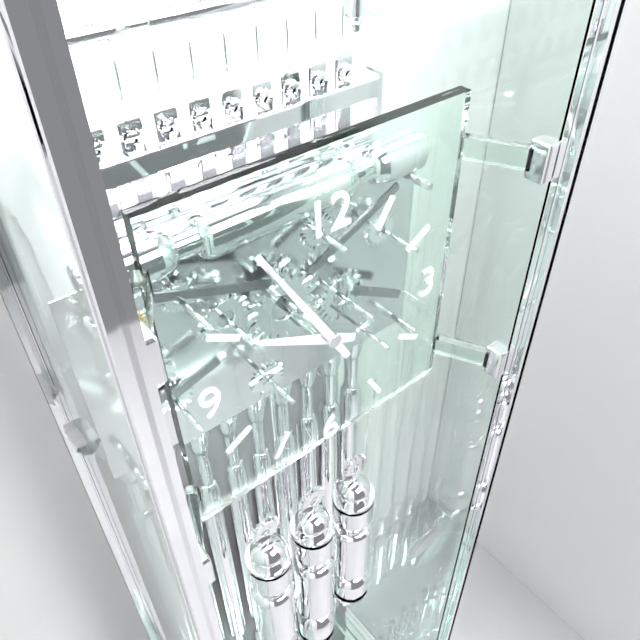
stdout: **9:55**
